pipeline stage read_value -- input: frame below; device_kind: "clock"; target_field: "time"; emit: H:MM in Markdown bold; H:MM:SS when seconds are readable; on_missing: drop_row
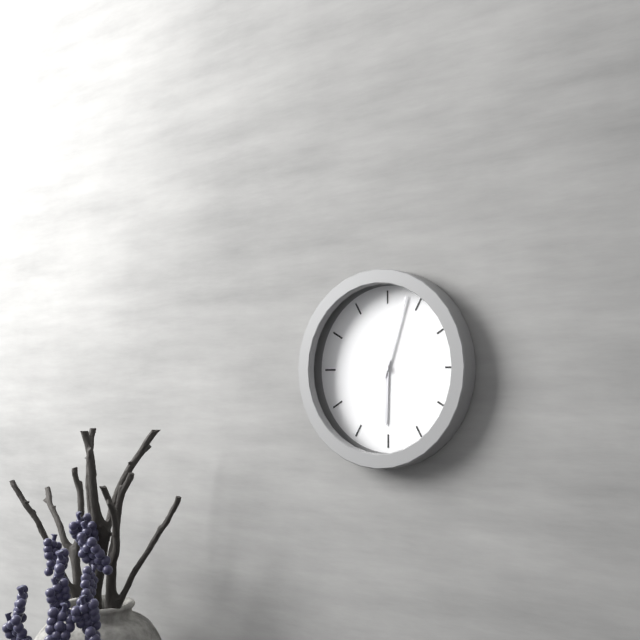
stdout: **6:03**
